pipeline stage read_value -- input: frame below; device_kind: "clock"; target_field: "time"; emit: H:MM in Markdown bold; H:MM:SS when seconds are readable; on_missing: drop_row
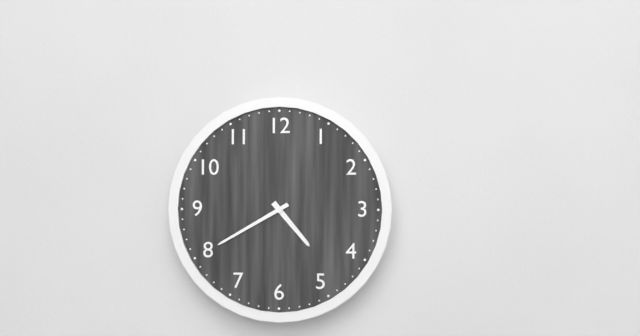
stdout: **4:40**
